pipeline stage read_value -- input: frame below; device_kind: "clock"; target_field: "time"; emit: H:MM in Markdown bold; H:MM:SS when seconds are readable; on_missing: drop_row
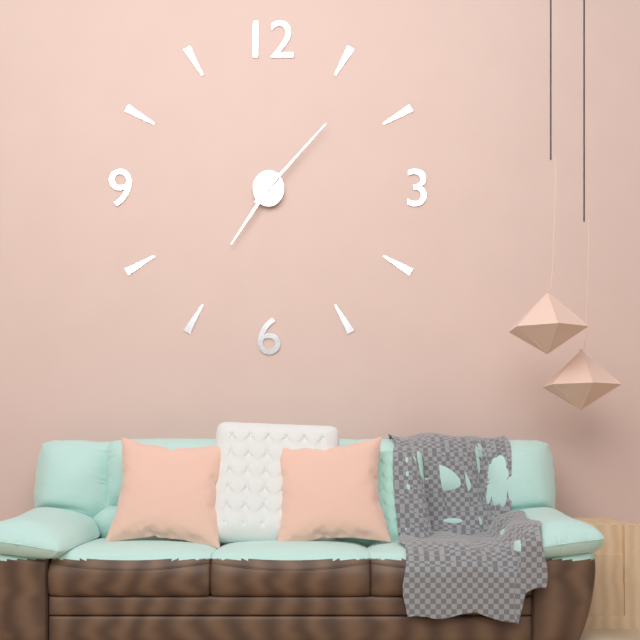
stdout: **7:07**
